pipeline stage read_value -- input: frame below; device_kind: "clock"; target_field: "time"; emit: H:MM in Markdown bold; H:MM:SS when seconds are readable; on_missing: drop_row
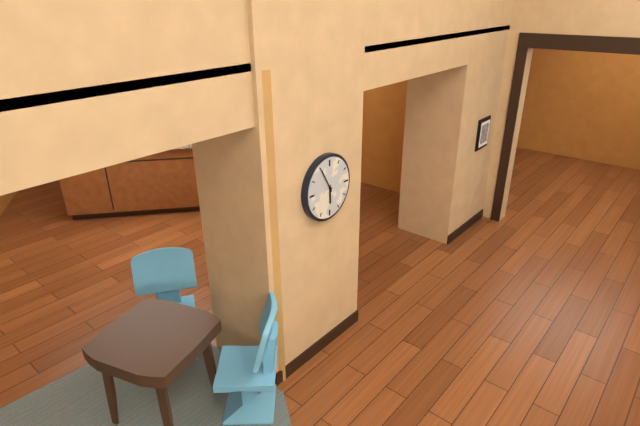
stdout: **5:55**
